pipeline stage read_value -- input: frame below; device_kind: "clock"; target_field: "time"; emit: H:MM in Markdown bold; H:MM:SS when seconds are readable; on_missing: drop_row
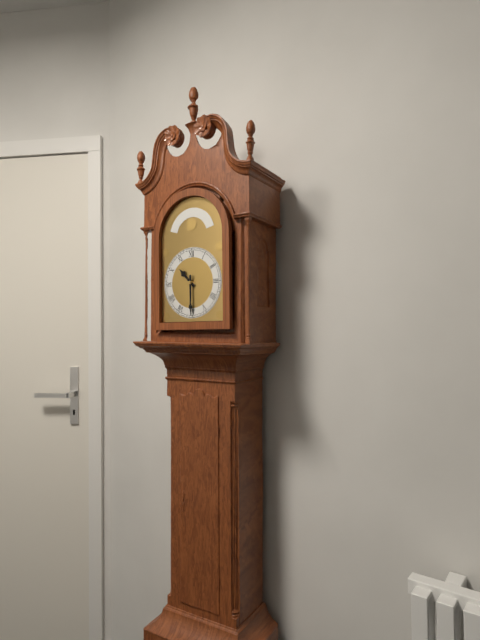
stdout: **10:30**
